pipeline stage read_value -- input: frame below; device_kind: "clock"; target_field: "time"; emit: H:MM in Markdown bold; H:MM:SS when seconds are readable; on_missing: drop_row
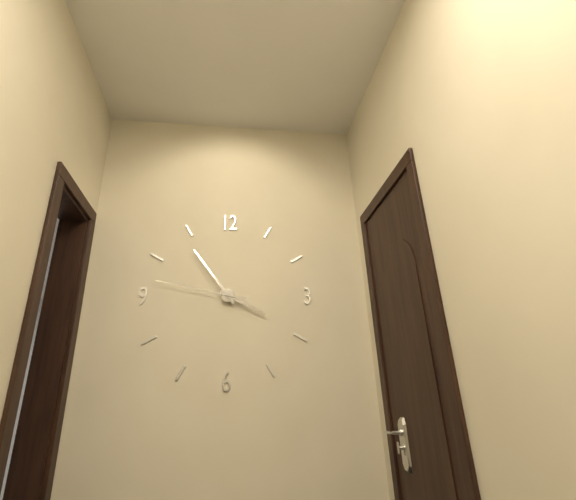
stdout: **3:54:47**
